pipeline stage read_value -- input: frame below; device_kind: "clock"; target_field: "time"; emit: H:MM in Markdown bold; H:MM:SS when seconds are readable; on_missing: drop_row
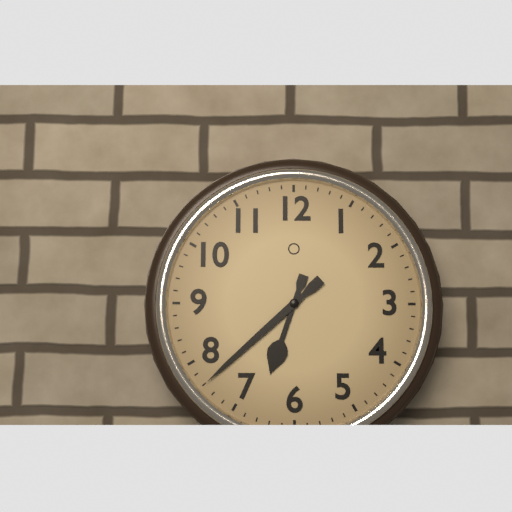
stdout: **6:38**
